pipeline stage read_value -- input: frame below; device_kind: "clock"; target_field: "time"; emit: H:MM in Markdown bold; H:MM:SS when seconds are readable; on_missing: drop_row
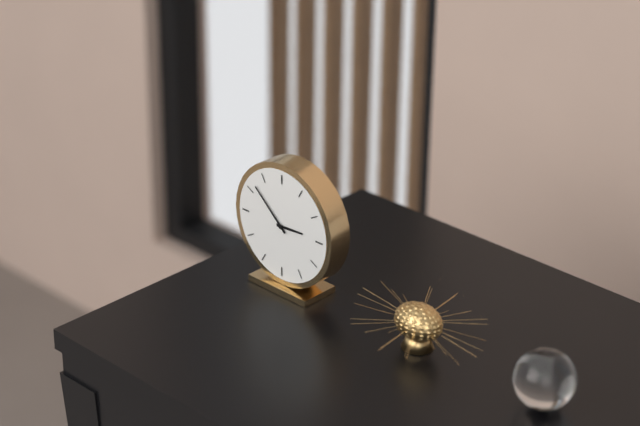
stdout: **2:52**
